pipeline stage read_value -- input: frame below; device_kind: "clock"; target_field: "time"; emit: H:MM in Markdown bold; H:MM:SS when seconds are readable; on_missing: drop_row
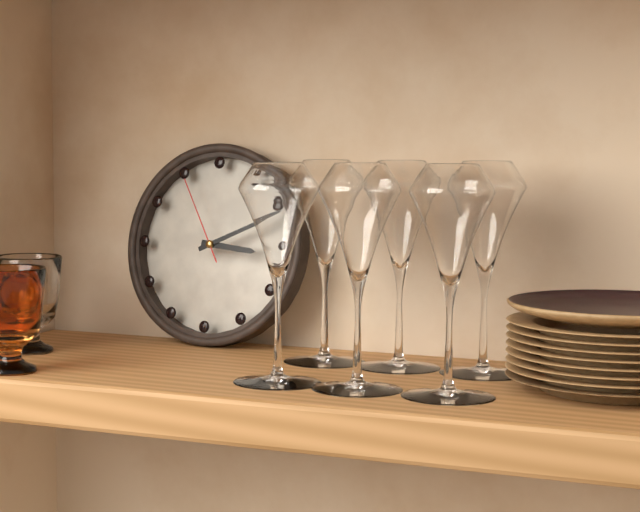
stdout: **3:11:55**
